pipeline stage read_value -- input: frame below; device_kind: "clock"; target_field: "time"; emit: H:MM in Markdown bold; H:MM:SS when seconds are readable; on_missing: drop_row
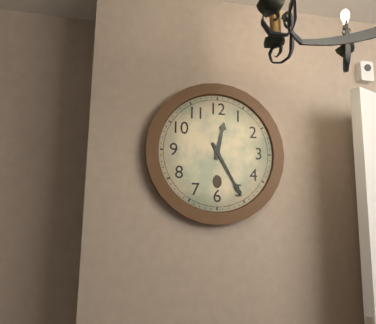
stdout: **12:25**
